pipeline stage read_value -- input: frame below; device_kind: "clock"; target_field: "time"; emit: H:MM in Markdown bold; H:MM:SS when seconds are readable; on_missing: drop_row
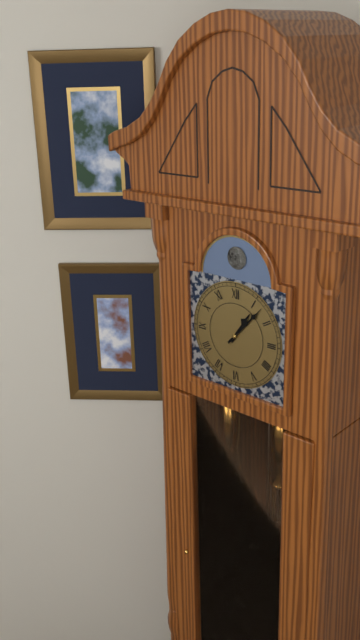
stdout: **1:07**
